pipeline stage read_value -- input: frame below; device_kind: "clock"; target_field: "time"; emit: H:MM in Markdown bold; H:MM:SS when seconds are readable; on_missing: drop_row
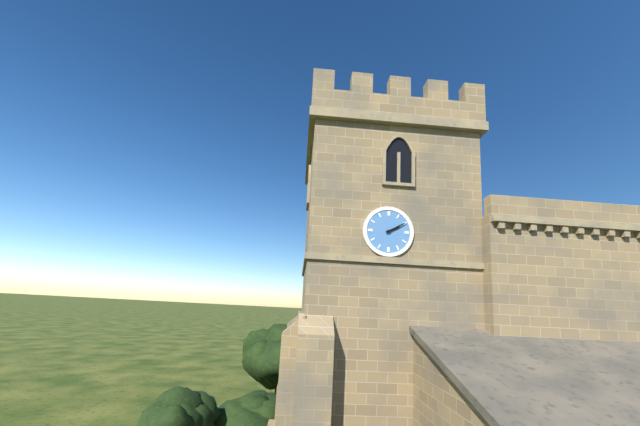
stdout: **2:10**
